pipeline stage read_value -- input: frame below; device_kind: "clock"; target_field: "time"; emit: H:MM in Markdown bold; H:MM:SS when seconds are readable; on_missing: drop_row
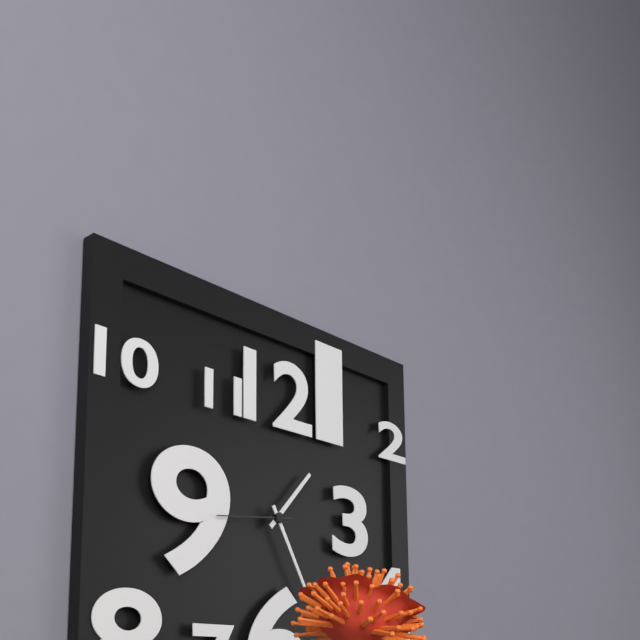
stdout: **1:25:44**
